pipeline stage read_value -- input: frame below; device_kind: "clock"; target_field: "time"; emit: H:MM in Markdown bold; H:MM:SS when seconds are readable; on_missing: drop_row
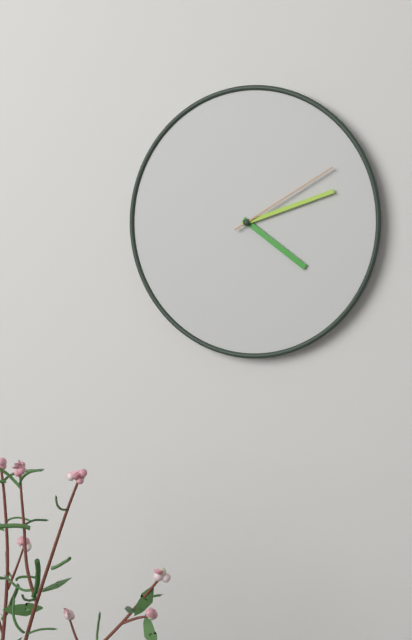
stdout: **4:12:10**
